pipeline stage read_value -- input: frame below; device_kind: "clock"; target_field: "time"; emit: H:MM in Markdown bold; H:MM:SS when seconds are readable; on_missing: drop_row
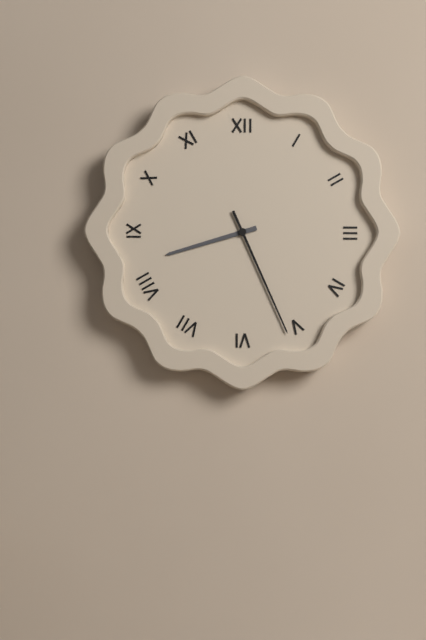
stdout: **8:26**
